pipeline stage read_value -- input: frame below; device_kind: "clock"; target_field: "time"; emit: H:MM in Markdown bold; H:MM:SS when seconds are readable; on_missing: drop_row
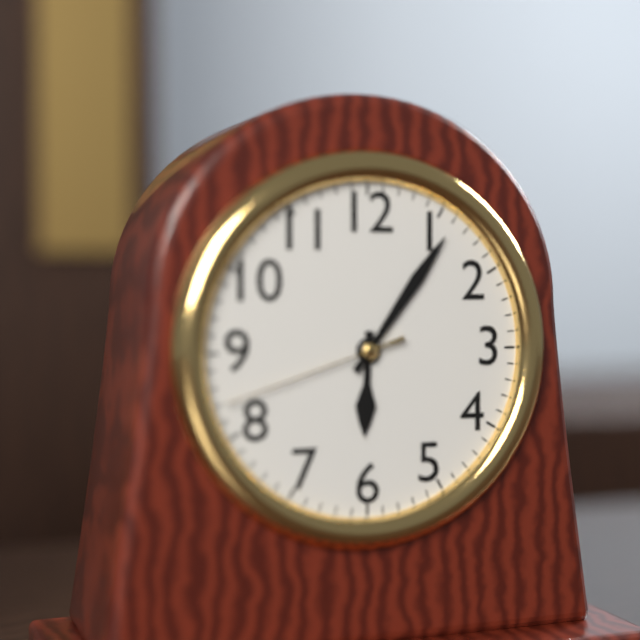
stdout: **6:06:42**
